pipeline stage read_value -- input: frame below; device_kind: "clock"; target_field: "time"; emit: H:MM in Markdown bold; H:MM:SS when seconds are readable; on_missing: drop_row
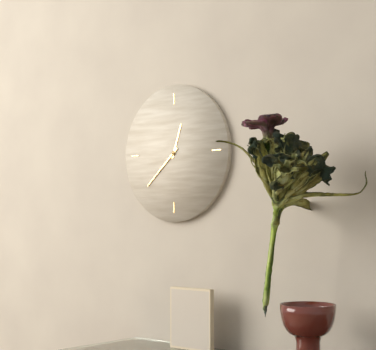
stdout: **12:38**
